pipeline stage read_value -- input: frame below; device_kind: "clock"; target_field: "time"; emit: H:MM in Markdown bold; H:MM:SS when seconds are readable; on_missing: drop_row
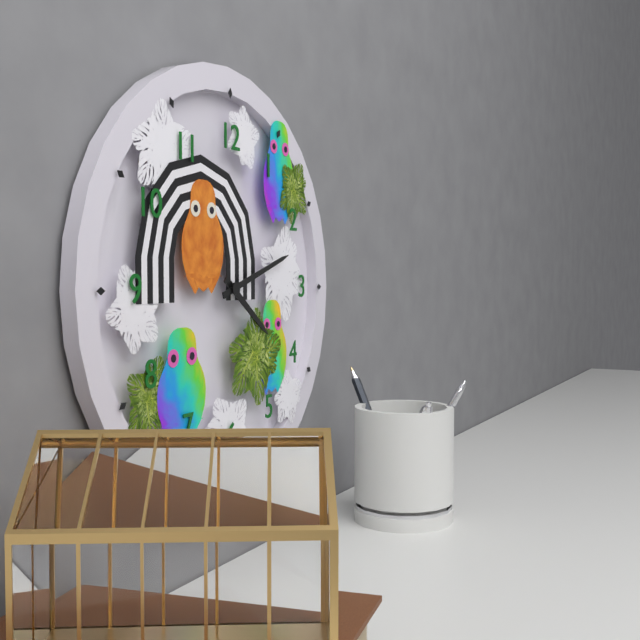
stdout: **4:12**
